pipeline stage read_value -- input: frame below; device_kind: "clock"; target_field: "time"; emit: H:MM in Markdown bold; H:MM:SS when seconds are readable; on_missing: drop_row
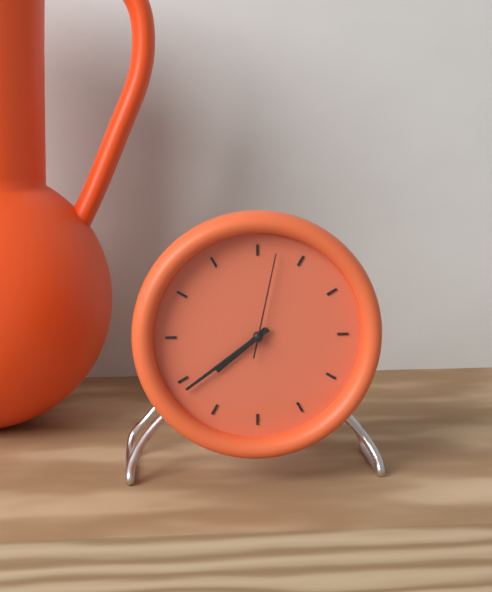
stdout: **7:39:02**
